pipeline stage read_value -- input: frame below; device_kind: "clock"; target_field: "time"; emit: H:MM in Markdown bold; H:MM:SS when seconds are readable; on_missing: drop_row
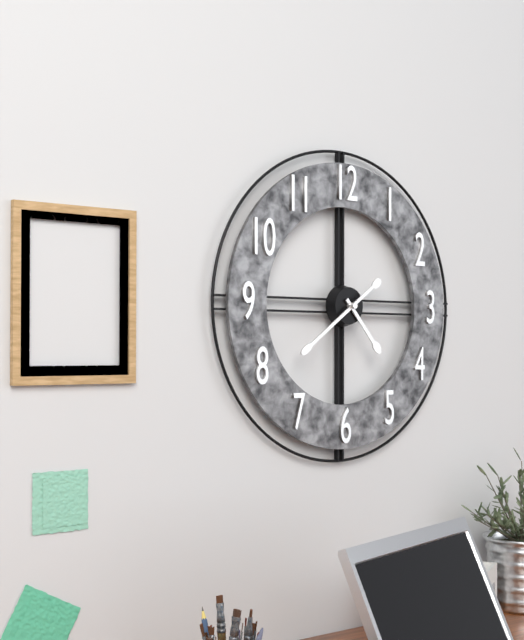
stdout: **4:39**
